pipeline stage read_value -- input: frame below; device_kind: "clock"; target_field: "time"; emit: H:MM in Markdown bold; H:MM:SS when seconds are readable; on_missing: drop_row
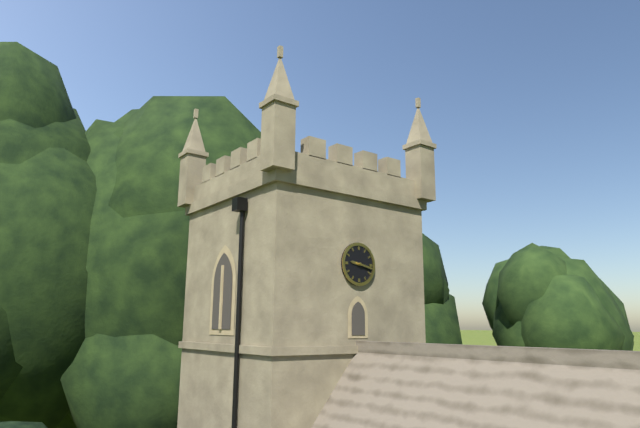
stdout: **9:17**
